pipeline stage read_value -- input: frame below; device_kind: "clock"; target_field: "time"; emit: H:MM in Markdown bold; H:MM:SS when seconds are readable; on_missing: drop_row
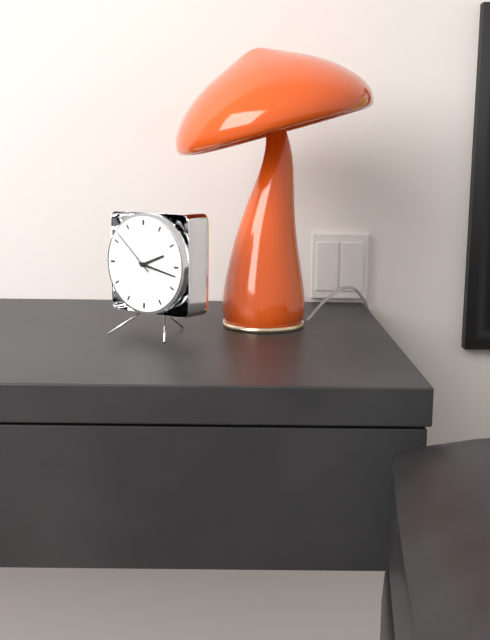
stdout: **2:17:52**
